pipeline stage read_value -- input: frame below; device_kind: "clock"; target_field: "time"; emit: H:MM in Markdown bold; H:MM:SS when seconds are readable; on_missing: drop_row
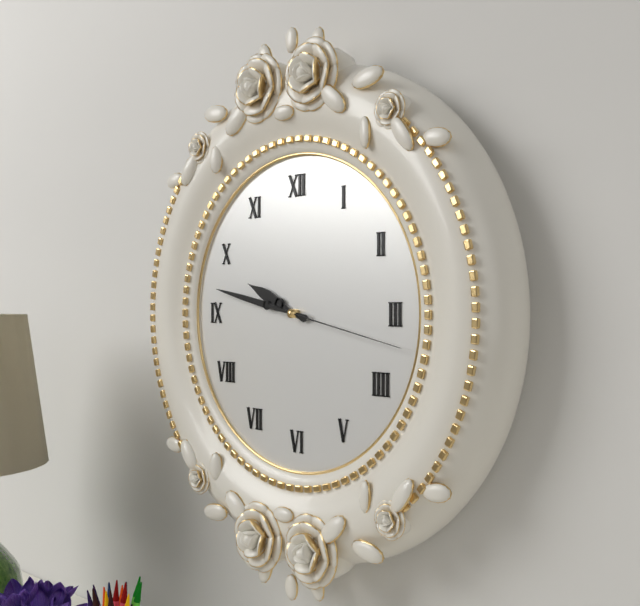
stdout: **9:47:17**
